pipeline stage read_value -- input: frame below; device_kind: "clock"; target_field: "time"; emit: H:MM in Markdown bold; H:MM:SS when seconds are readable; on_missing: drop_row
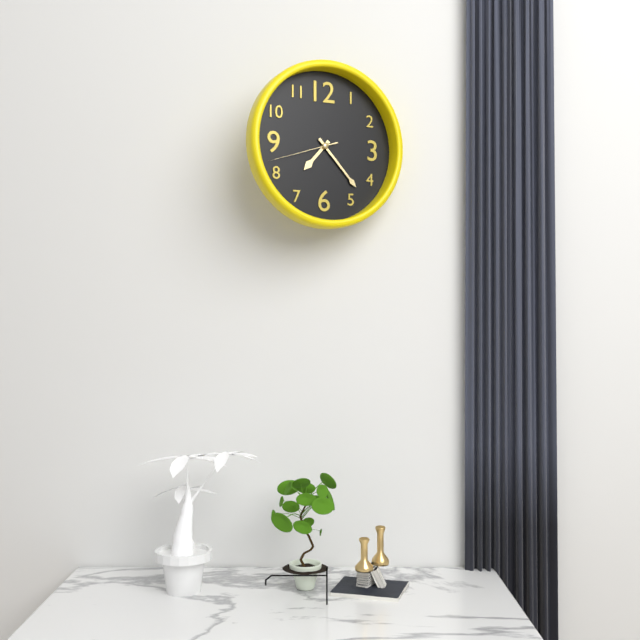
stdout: **7:23:42**
